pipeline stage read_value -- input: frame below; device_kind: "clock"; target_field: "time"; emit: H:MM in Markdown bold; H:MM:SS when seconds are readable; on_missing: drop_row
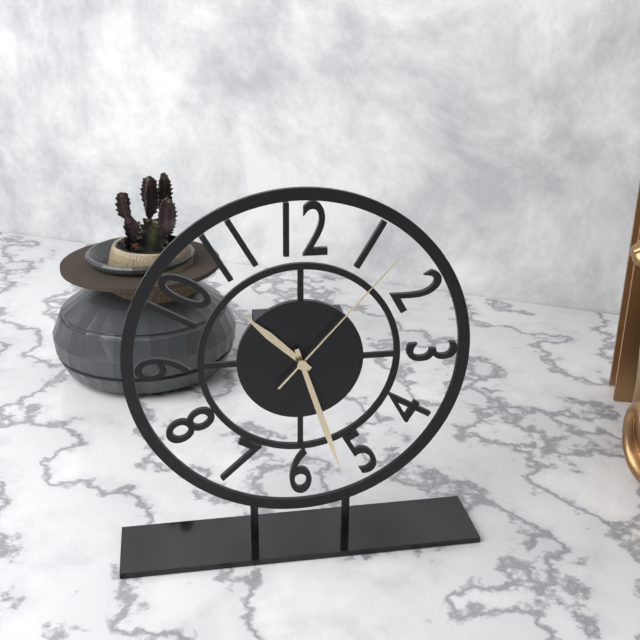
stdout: **10:27:07**
